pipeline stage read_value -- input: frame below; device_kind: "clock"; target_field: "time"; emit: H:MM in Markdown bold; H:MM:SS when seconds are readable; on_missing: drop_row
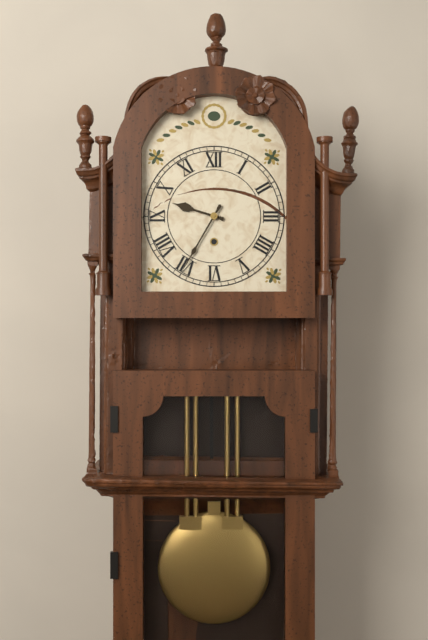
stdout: **9:35**
